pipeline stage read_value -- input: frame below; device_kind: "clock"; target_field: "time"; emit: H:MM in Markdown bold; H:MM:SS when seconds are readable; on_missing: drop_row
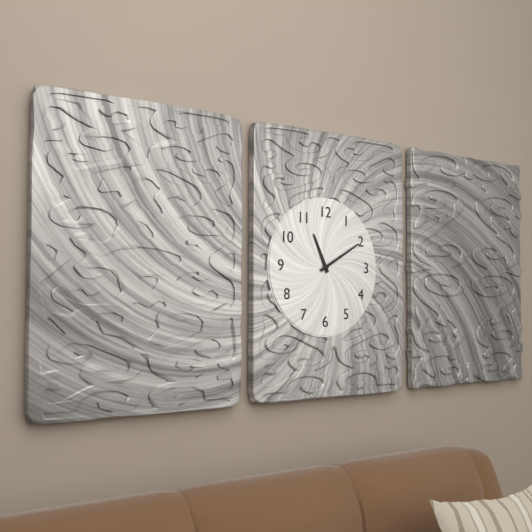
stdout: **11:10**
